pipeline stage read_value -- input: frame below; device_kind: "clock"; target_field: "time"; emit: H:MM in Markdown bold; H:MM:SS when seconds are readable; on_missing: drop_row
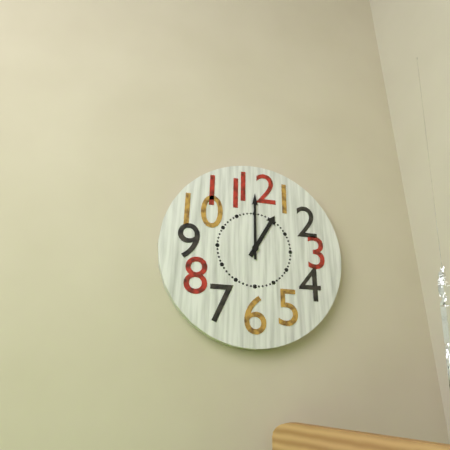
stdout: **1:00**
